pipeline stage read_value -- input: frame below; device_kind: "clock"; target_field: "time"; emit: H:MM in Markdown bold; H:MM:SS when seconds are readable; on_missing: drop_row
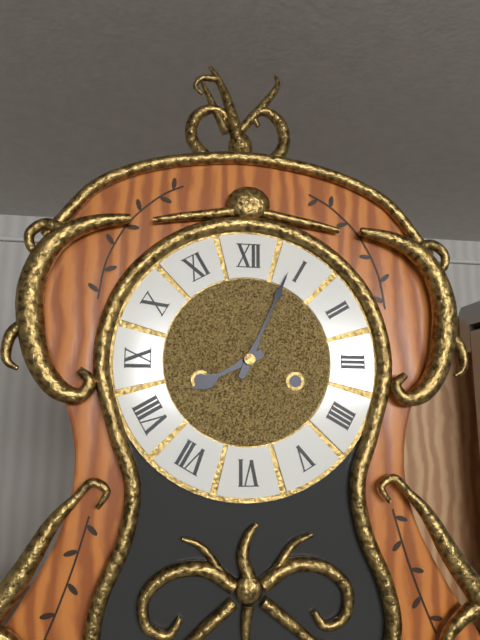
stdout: **8:04**
